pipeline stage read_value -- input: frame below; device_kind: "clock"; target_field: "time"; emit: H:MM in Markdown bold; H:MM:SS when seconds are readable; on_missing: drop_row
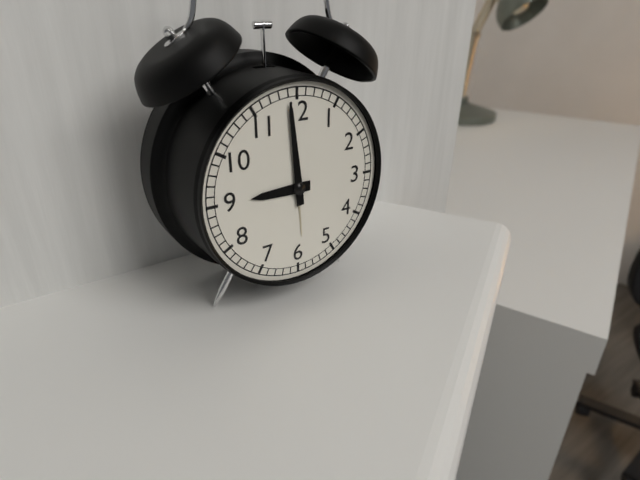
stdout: **8:59**
